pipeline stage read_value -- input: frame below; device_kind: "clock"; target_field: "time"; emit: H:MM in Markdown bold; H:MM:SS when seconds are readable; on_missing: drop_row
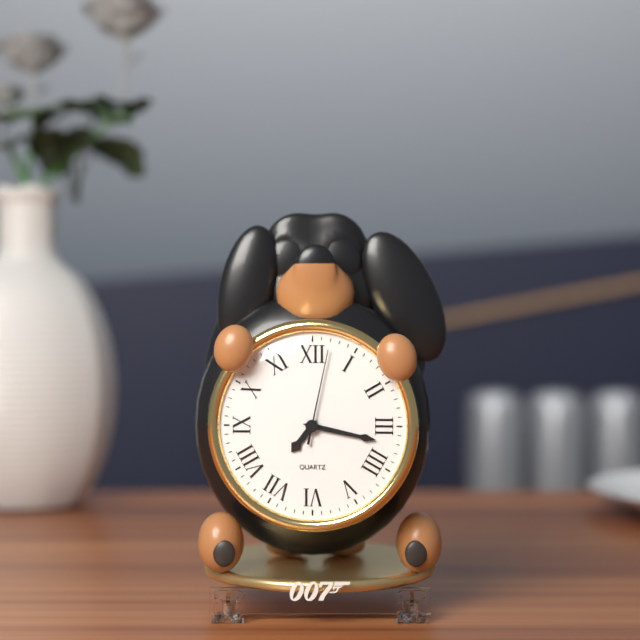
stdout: **7:17:02**
